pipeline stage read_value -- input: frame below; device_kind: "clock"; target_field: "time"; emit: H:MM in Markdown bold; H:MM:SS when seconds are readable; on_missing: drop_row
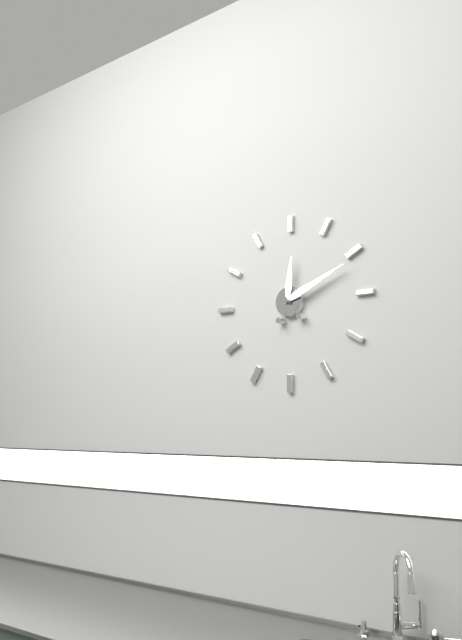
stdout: **12:11**
